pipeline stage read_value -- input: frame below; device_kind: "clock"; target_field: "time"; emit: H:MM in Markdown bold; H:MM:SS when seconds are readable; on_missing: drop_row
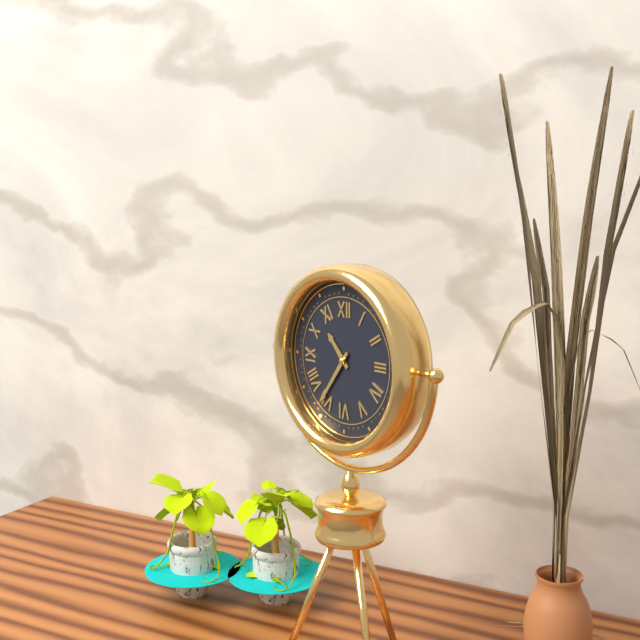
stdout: **10:36**
